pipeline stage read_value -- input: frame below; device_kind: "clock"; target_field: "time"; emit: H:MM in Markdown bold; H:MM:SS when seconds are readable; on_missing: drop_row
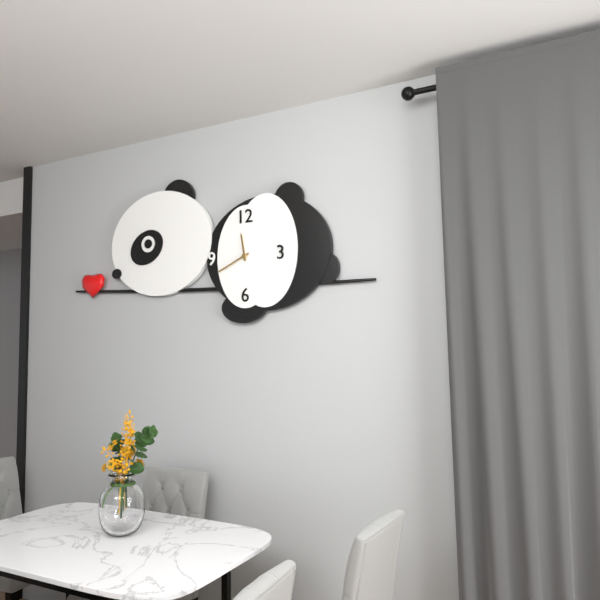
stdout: **11:41**
